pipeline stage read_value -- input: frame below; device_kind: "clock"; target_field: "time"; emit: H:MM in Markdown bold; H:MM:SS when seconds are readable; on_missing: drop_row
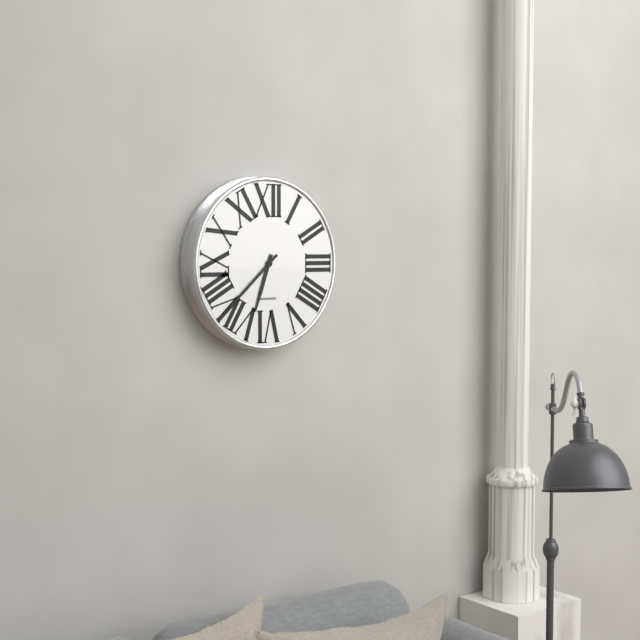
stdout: **6:38**
